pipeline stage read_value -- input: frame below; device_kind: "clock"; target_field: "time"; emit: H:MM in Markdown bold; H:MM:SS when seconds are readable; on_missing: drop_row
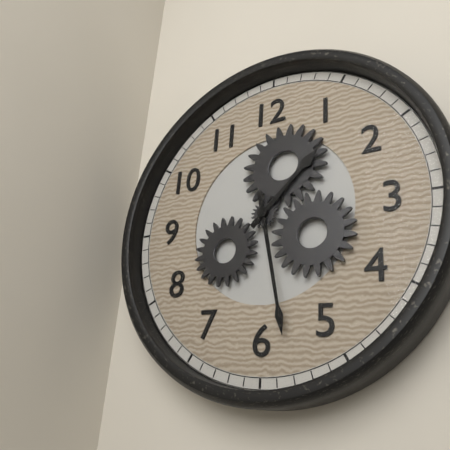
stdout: **1:28**
